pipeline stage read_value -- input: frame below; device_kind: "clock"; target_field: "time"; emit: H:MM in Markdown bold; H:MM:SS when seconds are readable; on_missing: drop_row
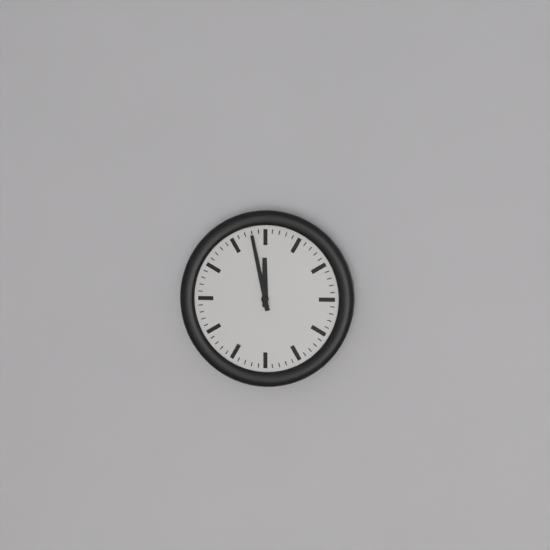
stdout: **11:58**
